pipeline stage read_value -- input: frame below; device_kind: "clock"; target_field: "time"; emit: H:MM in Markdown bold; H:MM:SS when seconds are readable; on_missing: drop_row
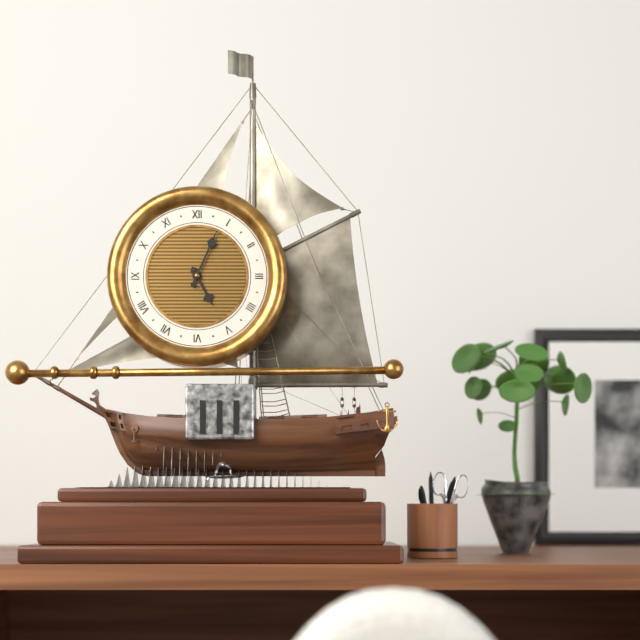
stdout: **5:04**
